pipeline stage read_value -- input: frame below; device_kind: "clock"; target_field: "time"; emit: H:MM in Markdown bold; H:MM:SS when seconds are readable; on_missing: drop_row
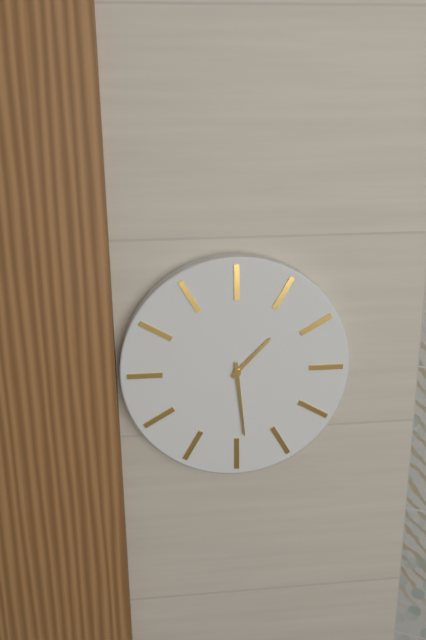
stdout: **1:29**
